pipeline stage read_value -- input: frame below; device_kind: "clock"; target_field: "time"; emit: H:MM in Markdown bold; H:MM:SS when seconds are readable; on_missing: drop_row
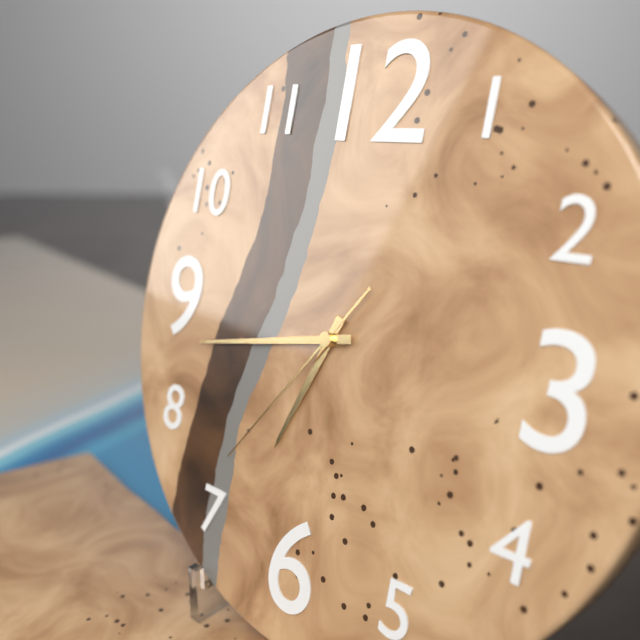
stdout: **6:43:36**
